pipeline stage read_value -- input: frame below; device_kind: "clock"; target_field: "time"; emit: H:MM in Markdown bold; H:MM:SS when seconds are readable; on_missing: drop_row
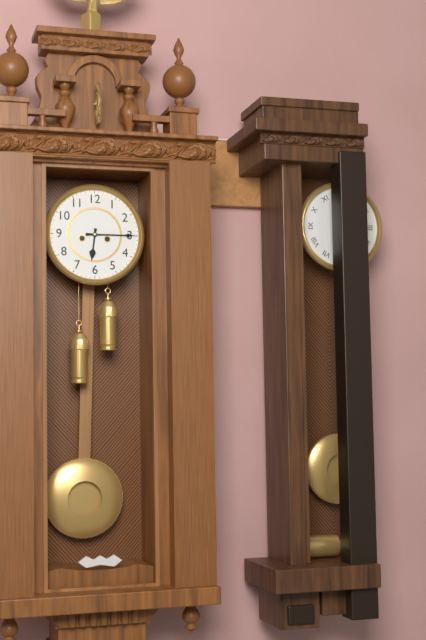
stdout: **6:15**
